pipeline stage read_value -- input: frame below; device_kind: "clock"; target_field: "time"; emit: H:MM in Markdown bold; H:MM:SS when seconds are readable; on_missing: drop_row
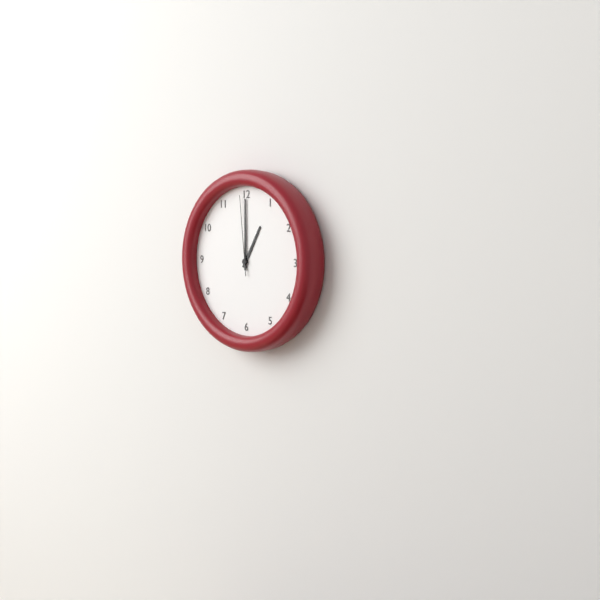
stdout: **1:00:59**
